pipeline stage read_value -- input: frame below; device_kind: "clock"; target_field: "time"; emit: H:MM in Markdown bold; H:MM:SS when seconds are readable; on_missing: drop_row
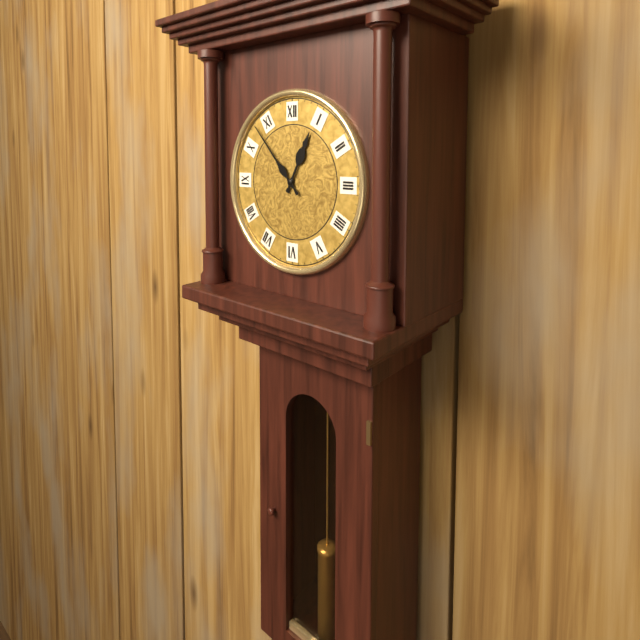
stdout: **12:53**
